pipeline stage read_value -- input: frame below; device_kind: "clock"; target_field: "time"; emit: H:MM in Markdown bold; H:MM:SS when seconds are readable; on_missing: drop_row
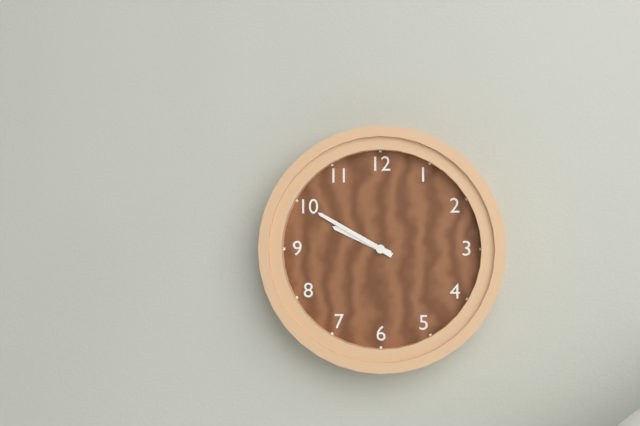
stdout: **9:50**
